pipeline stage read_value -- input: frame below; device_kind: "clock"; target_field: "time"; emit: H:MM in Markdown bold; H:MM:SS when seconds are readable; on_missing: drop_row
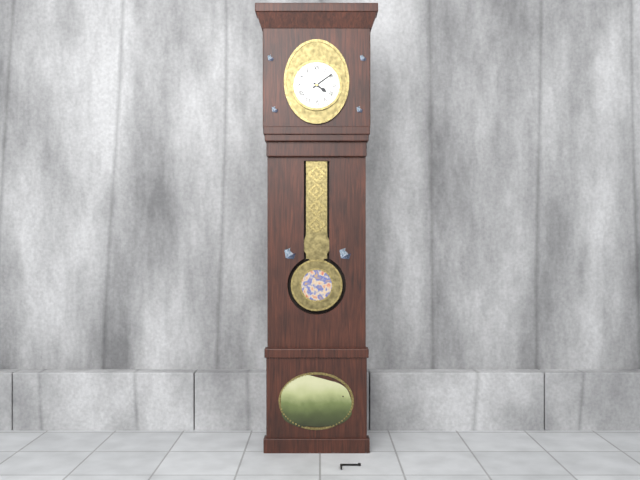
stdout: **4:09**
